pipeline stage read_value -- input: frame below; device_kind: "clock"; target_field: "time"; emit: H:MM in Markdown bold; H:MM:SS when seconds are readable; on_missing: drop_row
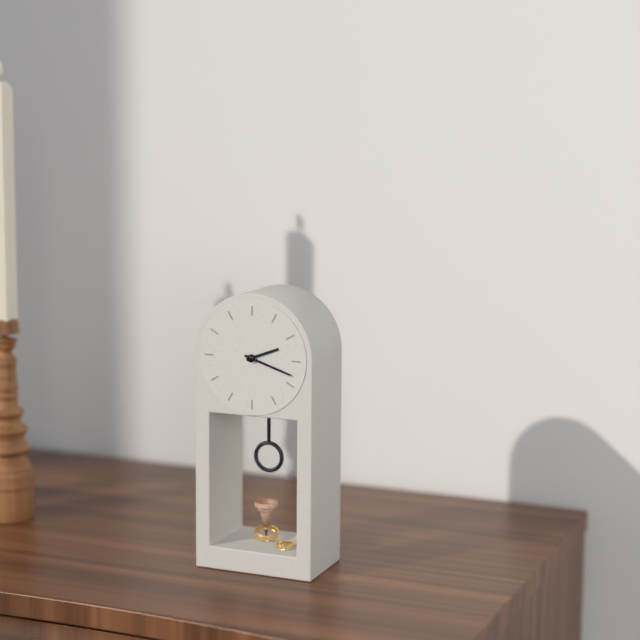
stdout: **2:18**
